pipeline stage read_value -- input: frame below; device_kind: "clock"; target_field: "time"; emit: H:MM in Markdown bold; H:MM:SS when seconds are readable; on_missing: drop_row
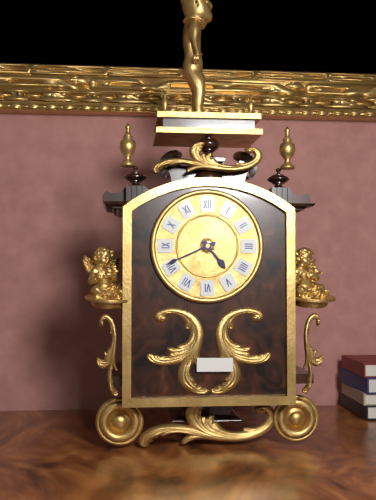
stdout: **4:41**
